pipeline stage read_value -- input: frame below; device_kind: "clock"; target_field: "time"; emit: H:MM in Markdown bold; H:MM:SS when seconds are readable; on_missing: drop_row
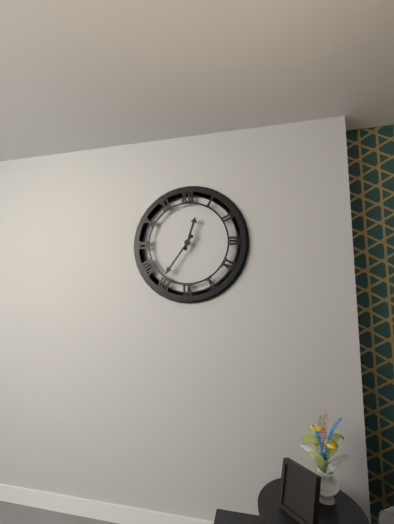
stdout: **12:36**
